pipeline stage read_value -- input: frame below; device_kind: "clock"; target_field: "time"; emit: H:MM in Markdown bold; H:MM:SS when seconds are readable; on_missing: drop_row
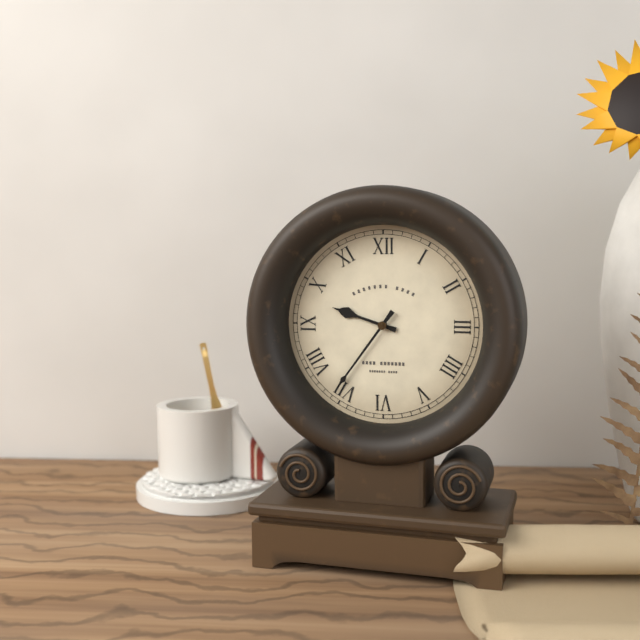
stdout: **9:36**
